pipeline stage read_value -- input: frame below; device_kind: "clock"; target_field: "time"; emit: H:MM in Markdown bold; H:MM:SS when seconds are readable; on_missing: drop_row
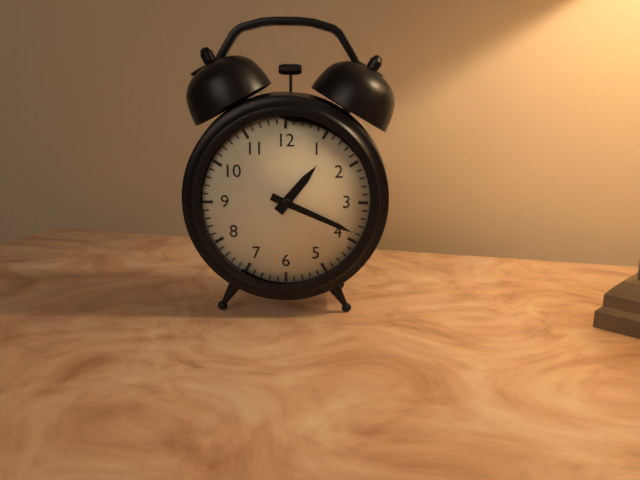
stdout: **1:19**
